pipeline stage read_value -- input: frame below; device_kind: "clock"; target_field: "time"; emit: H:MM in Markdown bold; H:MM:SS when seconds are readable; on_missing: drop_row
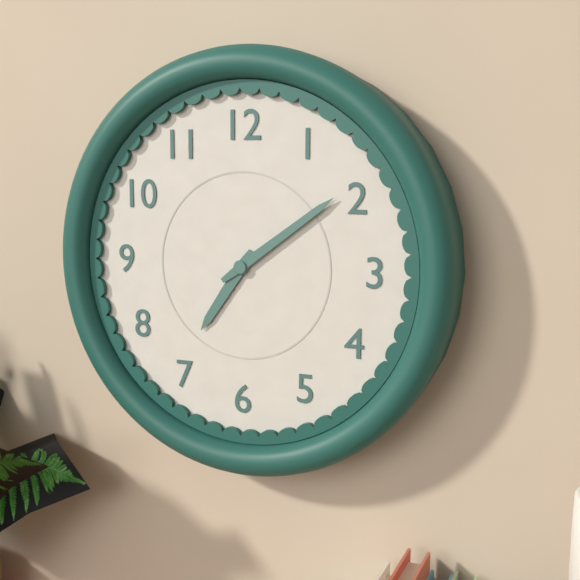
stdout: **7:09**
